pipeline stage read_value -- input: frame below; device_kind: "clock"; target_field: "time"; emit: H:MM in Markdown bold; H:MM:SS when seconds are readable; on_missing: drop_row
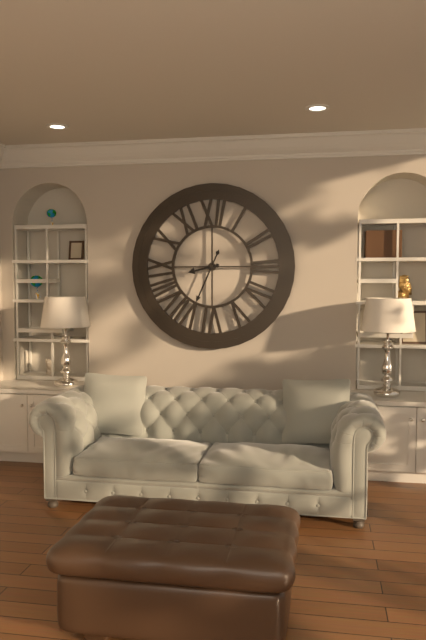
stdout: **8:34**
